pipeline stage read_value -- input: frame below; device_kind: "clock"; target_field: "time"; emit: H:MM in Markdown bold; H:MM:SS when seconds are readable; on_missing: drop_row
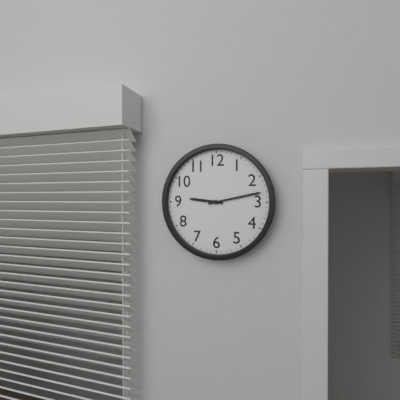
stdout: **9:13**
